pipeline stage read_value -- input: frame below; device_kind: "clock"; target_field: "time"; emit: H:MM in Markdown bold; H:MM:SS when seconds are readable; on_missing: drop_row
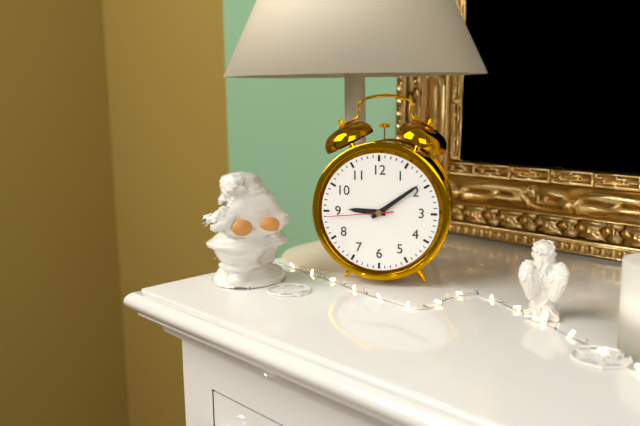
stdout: **9:09:44**
